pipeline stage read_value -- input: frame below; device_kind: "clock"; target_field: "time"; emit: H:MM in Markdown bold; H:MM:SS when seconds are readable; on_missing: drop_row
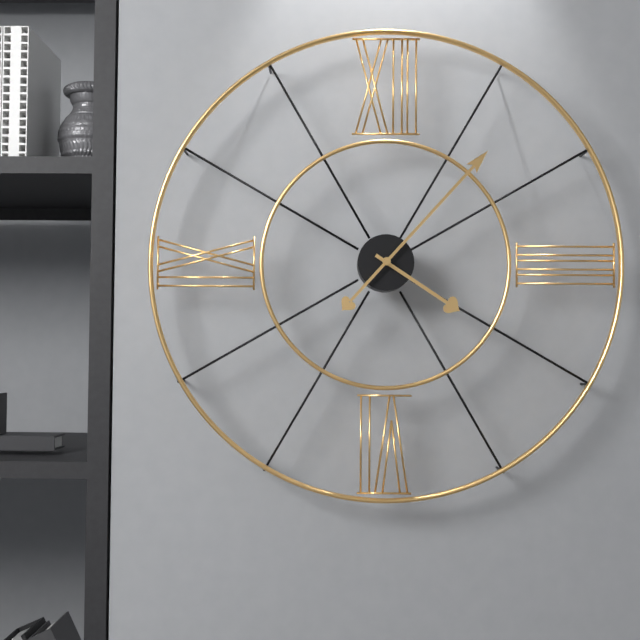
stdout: **4:07**
